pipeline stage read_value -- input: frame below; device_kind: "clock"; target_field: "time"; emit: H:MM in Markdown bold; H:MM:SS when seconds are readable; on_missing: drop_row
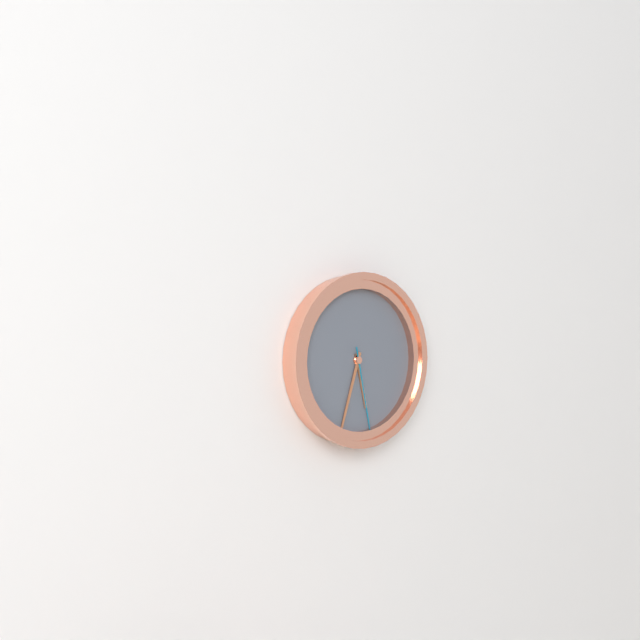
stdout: **5:33:28**
